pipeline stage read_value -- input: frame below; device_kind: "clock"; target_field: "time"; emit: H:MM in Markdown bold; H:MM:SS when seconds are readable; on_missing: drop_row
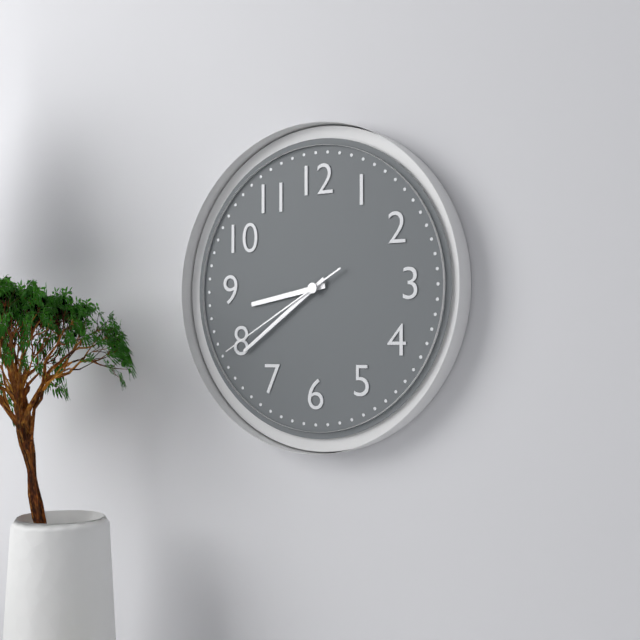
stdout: **8:39:40**
